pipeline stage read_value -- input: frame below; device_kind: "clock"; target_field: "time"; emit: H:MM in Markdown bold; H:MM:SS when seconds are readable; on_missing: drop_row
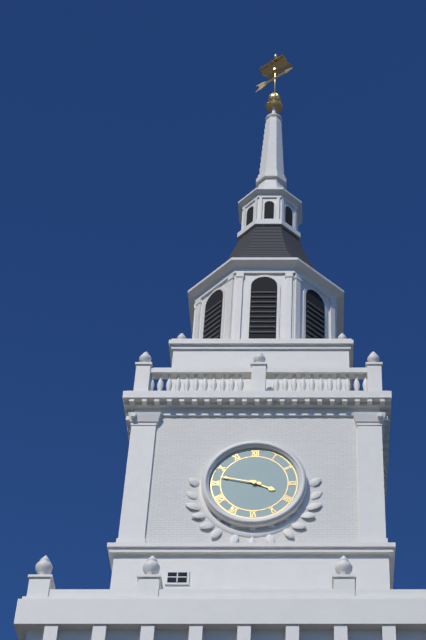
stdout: **3:47**
